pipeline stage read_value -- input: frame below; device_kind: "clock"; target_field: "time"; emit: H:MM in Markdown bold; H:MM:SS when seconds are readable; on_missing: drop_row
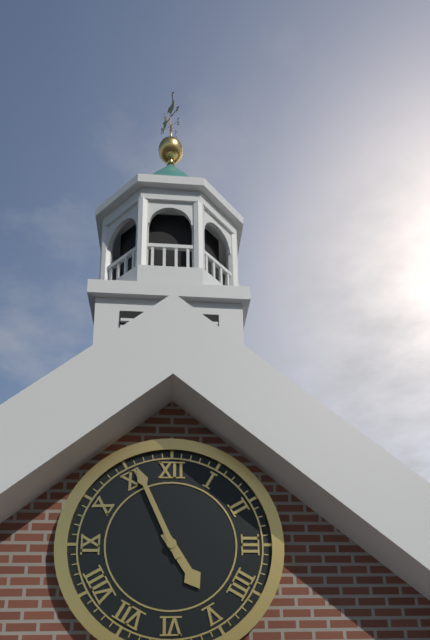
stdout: **4:56**
